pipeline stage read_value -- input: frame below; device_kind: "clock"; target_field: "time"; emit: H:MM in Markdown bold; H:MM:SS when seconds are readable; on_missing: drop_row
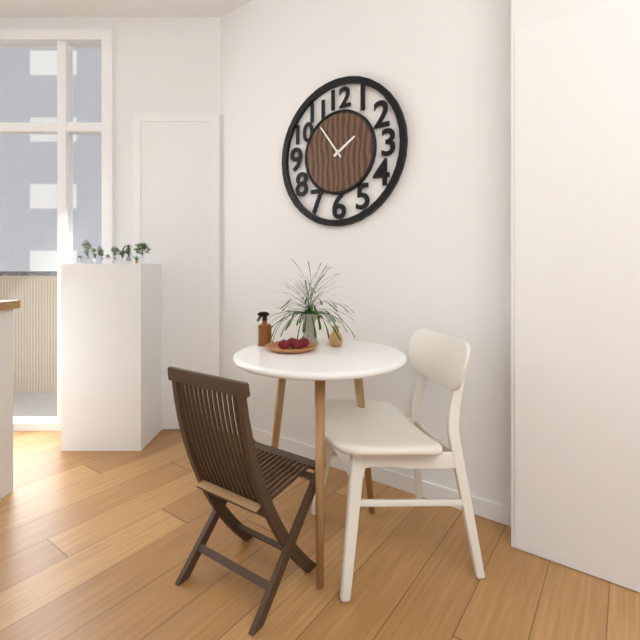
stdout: **1:54**
